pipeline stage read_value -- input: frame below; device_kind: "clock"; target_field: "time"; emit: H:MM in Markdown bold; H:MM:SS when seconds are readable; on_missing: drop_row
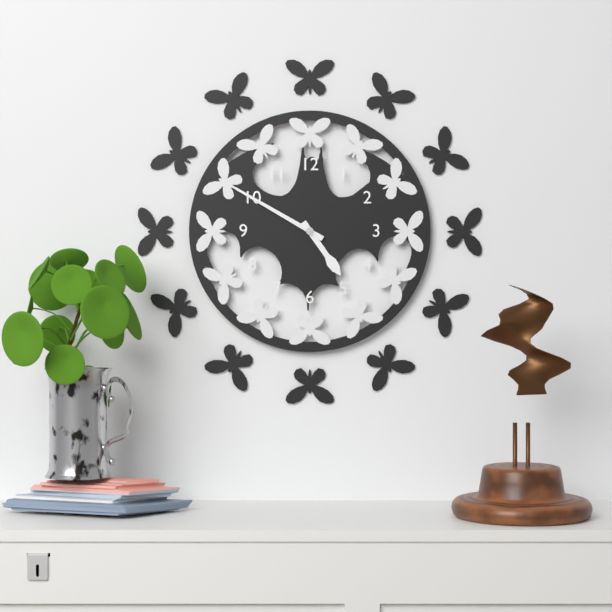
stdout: **4:50**
